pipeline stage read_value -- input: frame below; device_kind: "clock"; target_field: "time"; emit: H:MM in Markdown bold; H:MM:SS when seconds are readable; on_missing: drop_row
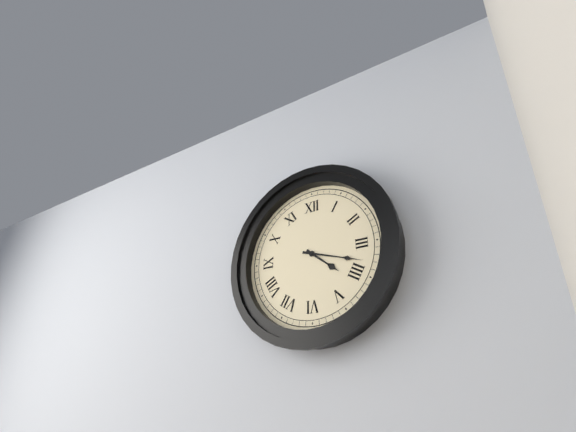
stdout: **4:18**
